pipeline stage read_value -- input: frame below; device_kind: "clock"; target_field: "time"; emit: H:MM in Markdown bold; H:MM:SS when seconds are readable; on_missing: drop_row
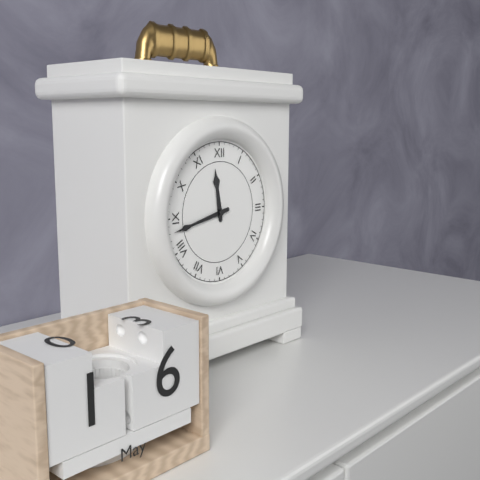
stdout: **11:43**
